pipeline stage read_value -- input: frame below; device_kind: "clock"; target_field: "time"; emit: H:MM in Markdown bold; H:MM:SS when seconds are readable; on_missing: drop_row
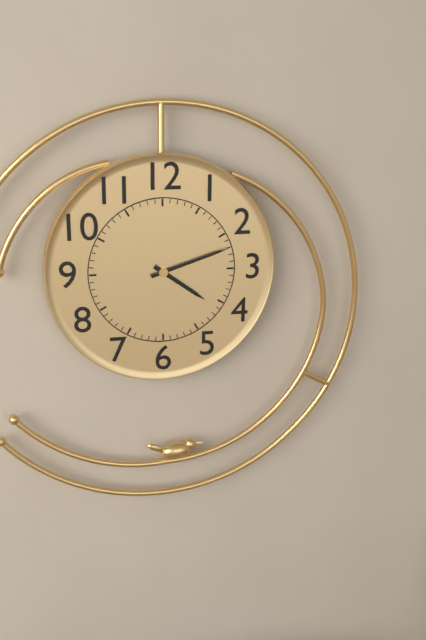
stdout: **4:12**
